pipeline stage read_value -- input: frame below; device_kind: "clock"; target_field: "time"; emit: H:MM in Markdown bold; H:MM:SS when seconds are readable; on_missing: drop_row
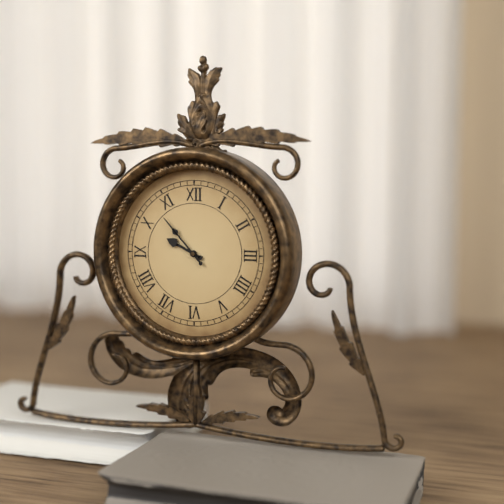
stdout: **9:53**
